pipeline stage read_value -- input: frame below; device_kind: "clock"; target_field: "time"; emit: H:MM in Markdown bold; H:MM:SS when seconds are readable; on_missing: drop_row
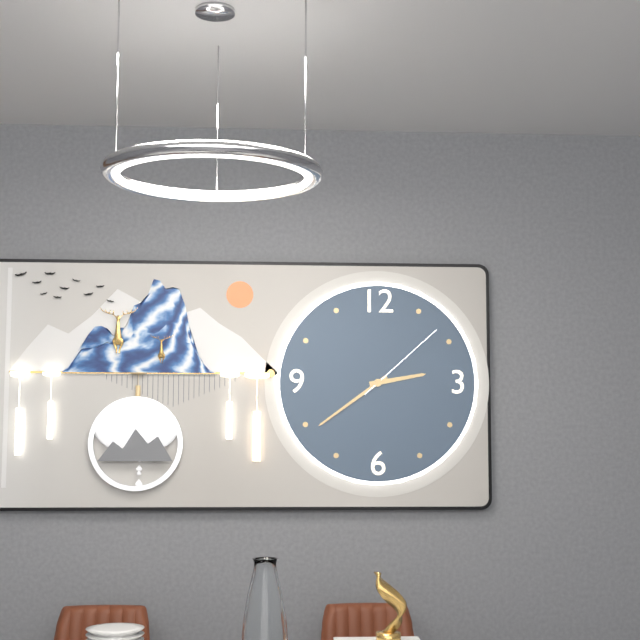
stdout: **2:39:08**
